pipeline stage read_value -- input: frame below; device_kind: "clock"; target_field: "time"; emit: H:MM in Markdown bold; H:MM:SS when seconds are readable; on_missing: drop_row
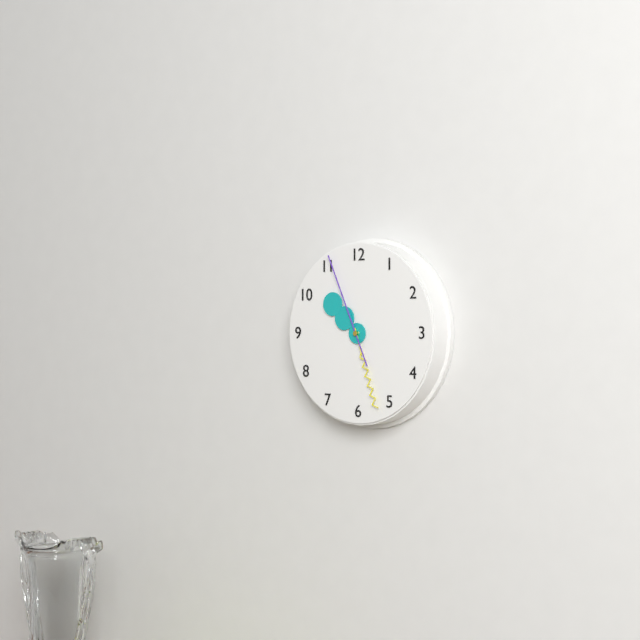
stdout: **10:27:56**
